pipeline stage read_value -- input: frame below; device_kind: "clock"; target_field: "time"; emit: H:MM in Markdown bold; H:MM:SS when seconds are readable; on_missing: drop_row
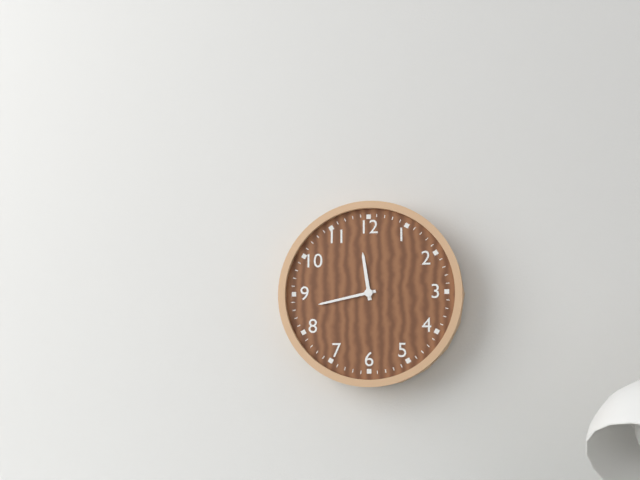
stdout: **11:43**
